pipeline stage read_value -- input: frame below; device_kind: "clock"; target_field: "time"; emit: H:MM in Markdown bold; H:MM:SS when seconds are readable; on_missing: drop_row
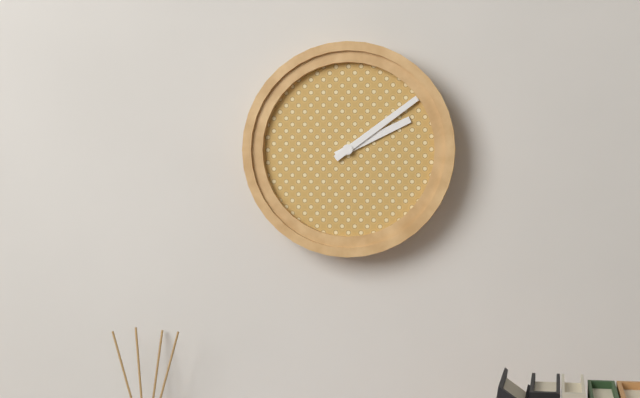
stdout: **2:09**
